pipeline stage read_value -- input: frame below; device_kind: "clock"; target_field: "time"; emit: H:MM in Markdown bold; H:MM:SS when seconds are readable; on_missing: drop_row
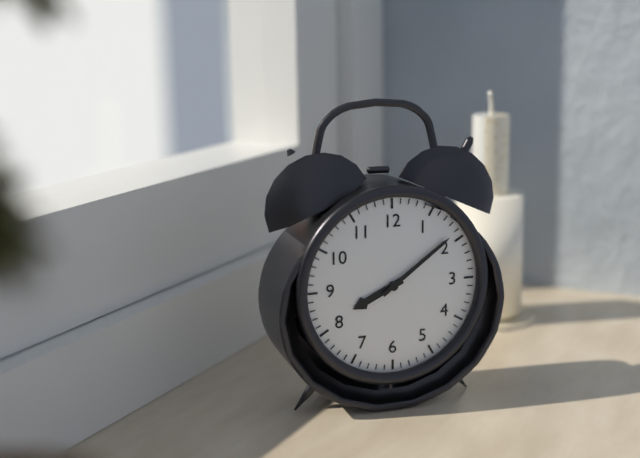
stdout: **8:09**
